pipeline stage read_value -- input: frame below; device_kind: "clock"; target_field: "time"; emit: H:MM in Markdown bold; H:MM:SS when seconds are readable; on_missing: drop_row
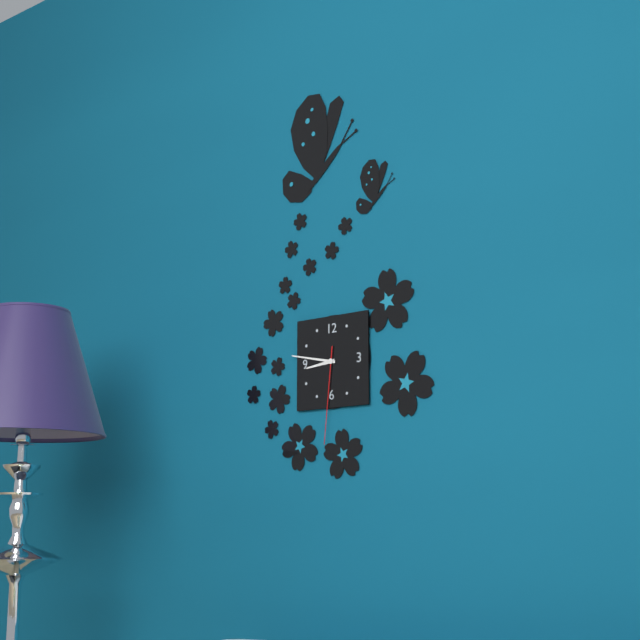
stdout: **8:47:31**
